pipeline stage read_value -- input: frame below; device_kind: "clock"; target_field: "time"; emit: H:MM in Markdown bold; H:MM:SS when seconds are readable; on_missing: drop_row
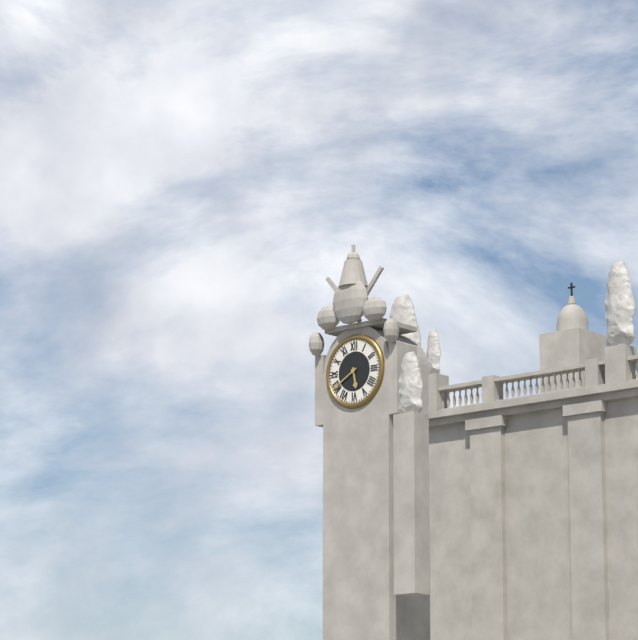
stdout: **5:40**
